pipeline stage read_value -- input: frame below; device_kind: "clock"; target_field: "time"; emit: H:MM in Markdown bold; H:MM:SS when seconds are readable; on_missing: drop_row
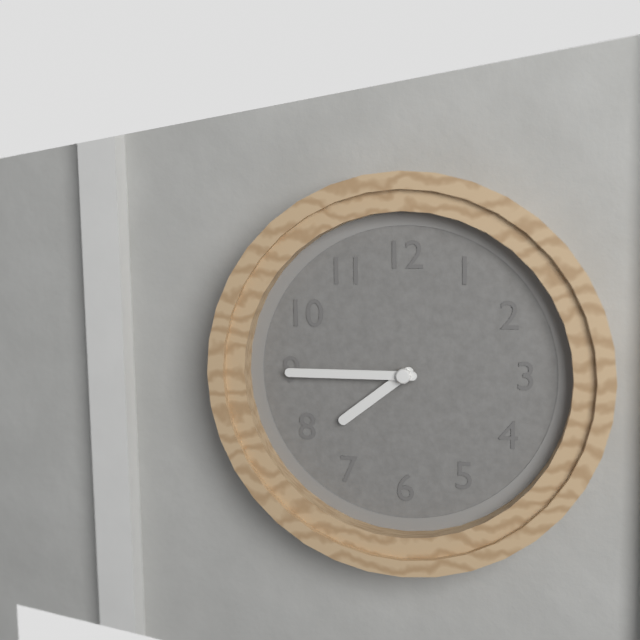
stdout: **7:45**
